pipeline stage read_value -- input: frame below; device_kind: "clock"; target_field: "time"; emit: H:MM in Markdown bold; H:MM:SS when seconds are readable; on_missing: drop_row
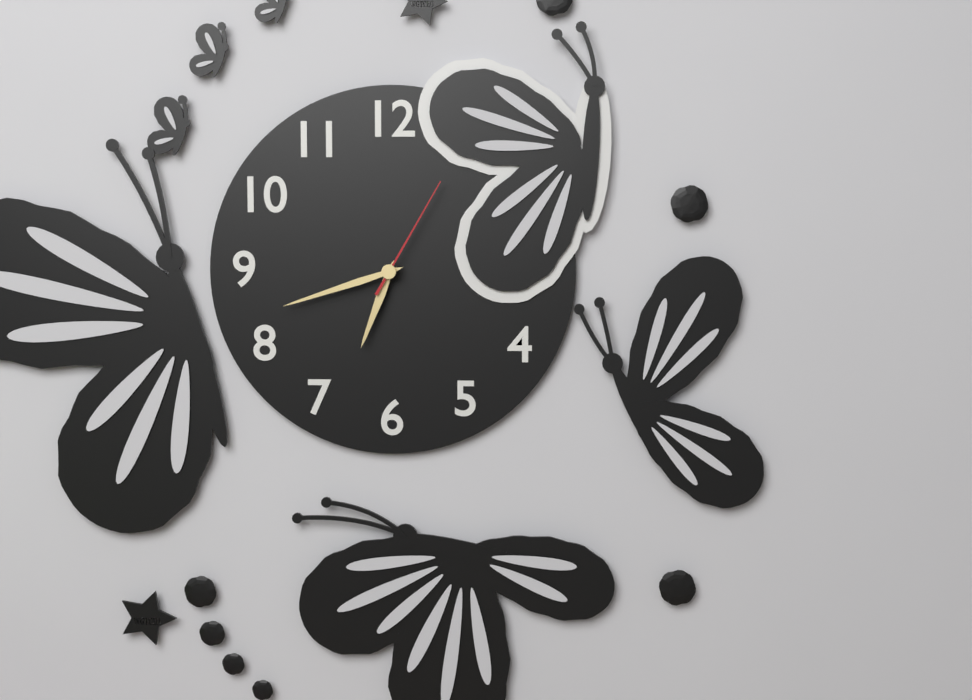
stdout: **6:42:05**
